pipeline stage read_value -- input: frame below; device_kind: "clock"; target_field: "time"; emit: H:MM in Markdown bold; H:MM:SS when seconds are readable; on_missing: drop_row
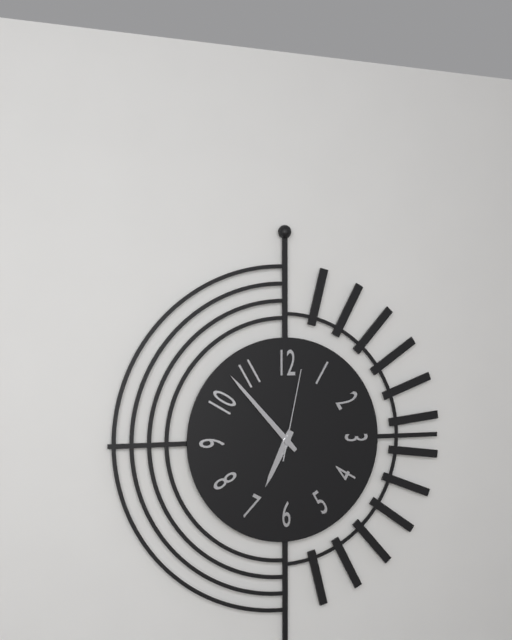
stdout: **6:53:02**
